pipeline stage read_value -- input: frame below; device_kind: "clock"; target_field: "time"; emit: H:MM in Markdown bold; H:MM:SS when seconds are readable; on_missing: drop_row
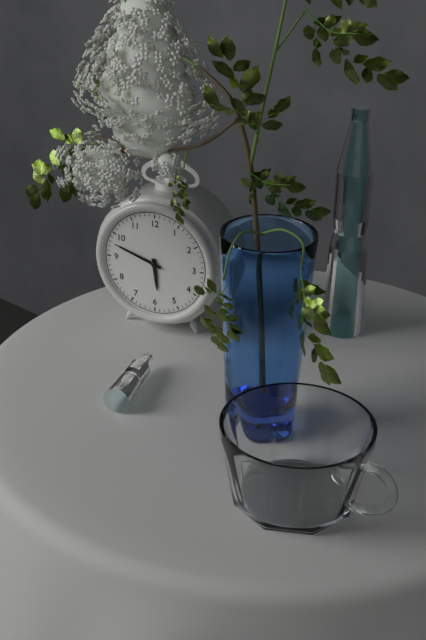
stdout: **5:48**
